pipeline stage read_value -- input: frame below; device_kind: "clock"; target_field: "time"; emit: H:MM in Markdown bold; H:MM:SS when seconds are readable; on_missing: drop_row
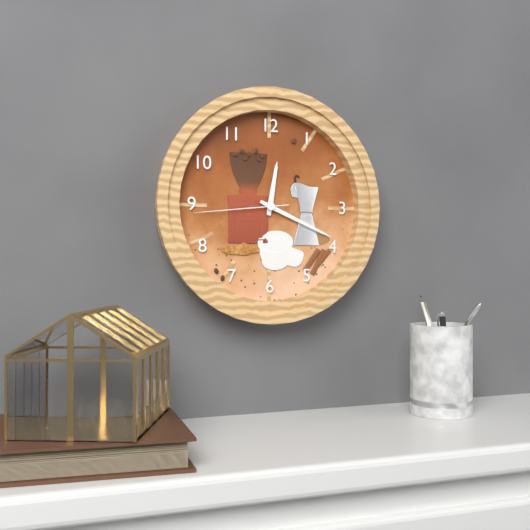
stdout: **12:19:44**
